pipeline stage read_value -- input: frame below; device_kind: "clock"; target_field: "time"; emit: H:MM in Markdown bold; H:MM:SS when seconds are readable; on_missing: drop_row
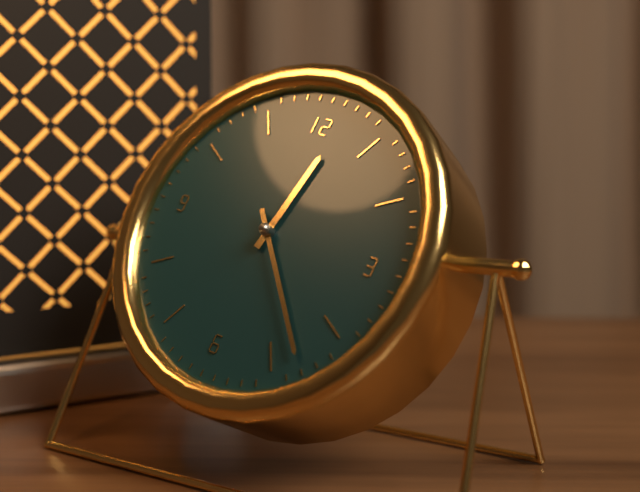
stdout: **12:23**
